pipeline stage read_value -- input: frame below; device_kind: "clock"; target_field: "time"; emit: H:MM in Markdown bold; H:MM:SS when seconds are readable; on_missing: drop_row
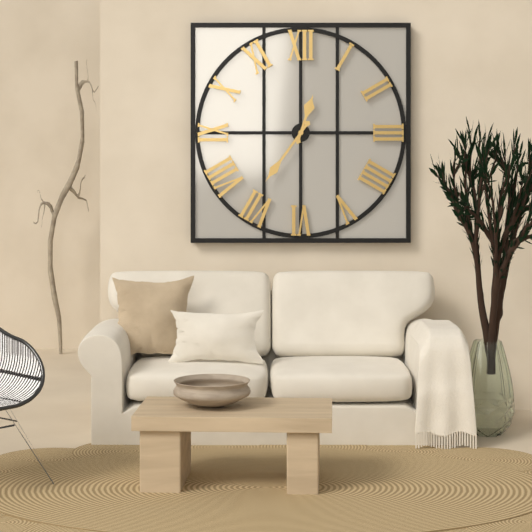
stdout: **12:36**
